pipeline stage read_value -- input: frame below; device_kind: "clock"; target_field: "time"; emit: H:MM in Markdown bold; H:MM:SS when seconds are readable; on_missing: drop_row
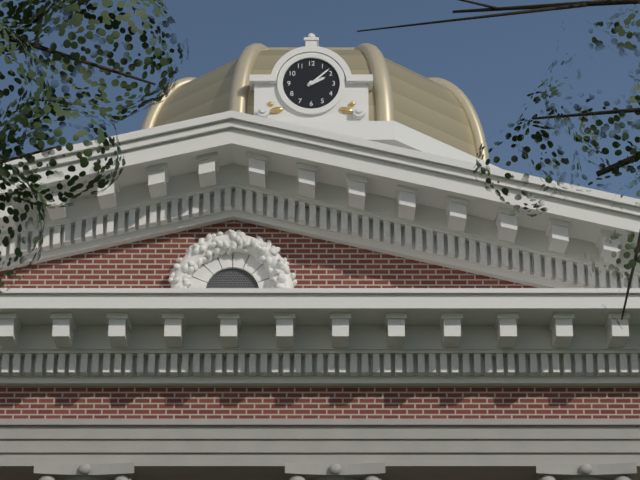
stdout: **2:08**
